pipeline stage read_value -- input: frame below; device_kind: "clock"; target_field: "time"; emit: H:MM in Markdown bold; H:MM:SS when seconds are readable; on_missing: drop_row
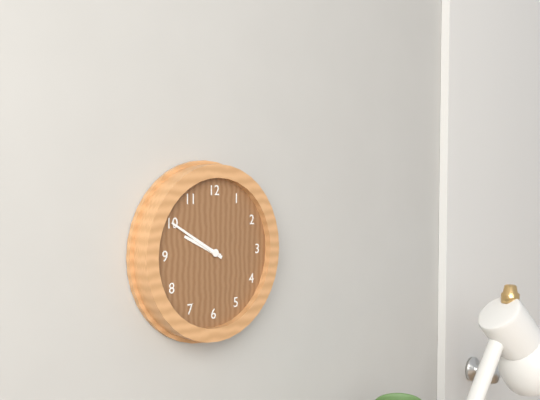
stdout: **9:50**
